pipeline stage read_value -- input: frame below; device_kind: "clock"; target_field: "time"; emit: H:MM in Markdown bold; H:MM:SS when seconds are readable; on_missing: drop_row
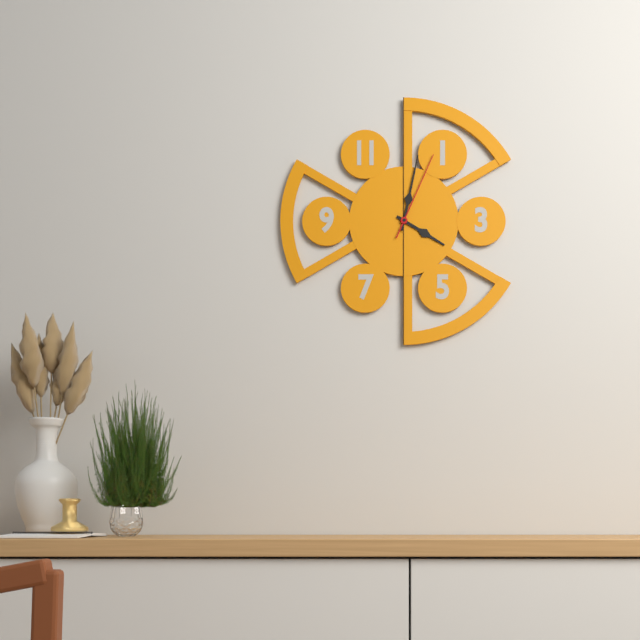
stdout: **4:02:04**
